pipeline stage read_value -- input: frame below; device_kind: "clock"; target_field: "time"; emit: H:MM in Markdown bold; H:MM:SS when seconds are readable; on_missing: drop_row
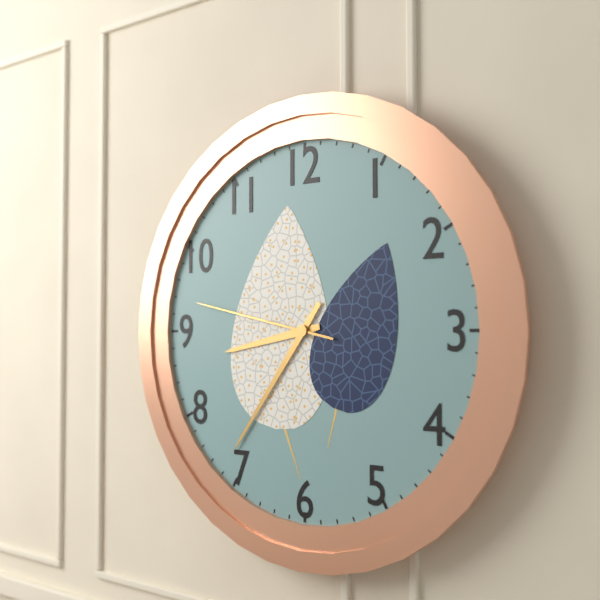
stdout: **8:36:47**
